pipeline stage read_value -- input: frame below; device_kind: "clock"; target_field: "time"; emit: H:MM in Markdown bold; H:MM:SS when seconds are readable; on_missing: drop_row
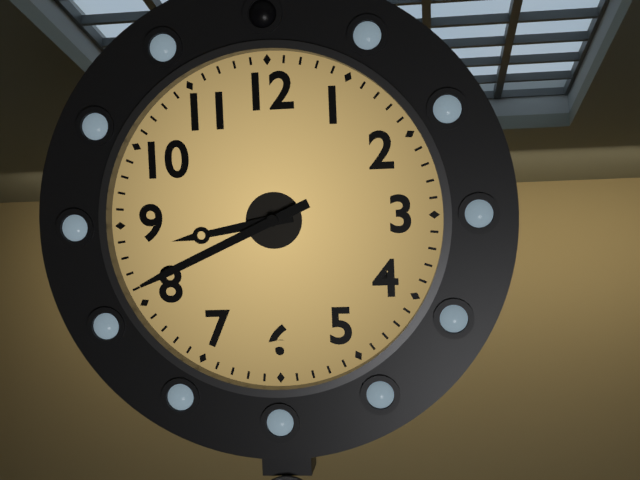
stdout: **8:41**
